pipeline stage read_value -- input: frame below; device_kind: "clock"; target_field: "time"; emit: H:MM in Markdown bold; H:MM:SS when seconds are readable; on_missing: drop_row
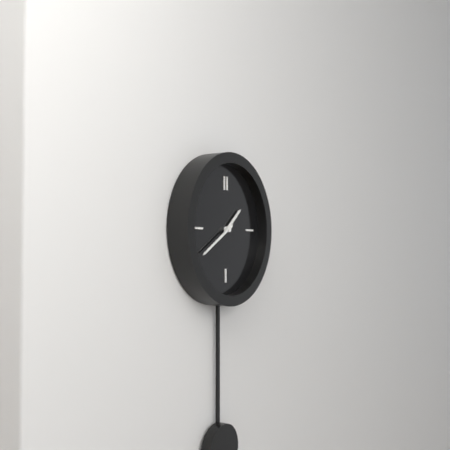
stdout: **1:40**
